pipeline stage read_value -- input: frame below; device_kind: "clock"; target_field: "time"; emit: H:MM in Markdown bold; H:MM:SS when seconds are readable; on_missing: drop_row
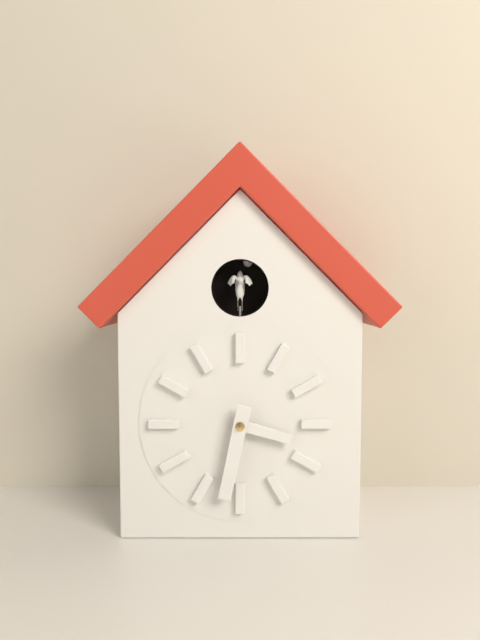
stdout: **3:32**
